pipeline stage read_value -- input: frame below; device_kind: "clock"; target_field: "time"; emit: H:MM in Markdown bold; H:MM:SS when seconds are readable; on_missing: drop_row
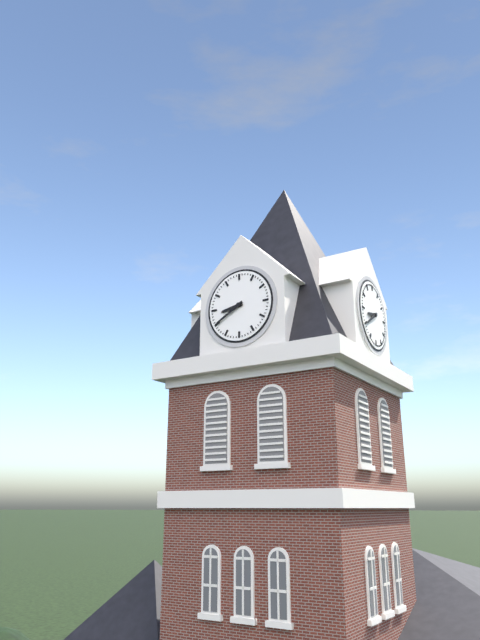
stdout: **8:40**
